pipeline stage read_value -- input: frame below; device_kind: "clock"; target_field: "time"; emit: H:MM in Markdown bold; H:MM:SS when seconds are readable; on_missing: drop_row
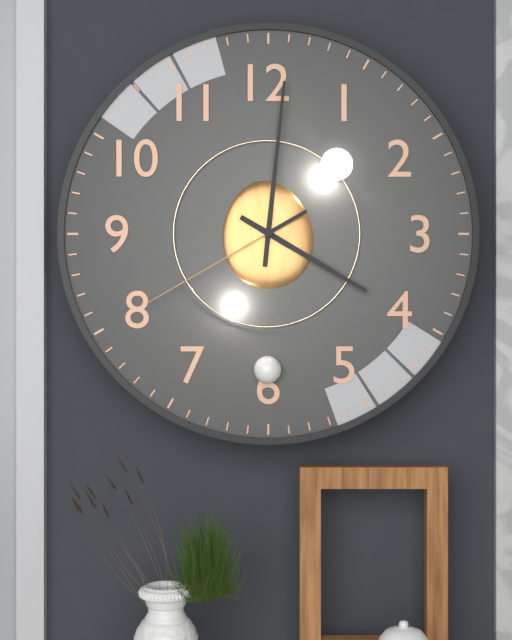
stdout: **4:01:40**
